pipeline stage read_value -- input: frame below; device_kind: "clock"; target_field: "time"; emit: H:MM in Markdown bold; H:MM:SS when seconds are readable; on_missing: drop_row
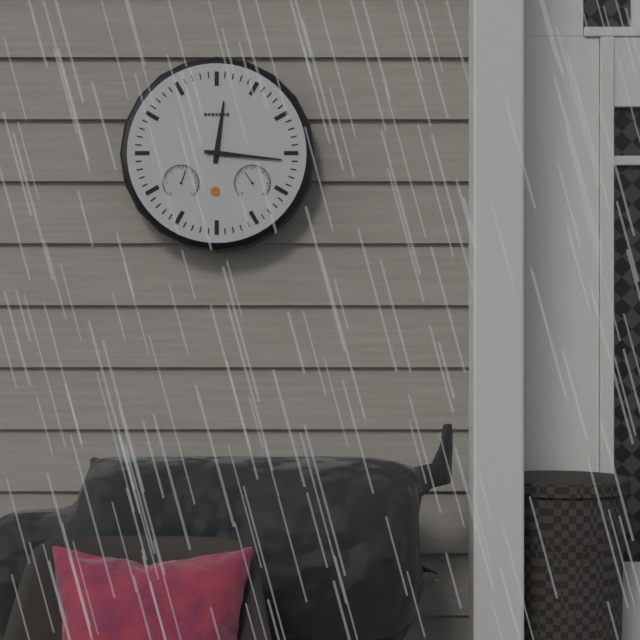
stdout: **12:16**
